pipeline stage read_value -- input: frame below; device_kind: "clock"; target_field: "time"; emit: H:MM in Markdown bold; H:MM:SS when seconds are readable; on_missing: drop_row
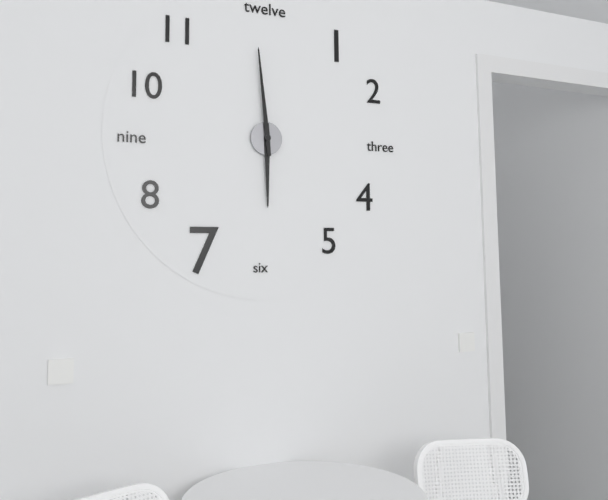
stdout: **5:59**
